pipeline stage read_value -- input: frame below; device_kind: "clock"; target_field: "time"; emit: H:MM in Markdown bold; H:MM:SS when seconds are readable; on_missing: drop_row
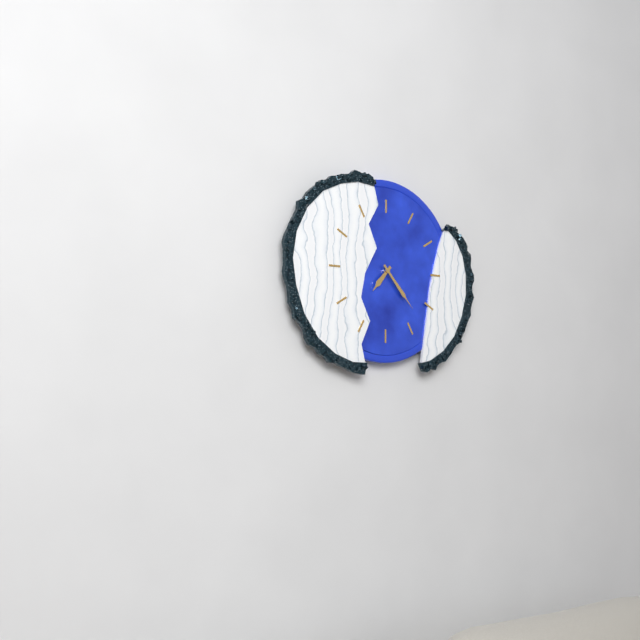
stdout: **7:23**
